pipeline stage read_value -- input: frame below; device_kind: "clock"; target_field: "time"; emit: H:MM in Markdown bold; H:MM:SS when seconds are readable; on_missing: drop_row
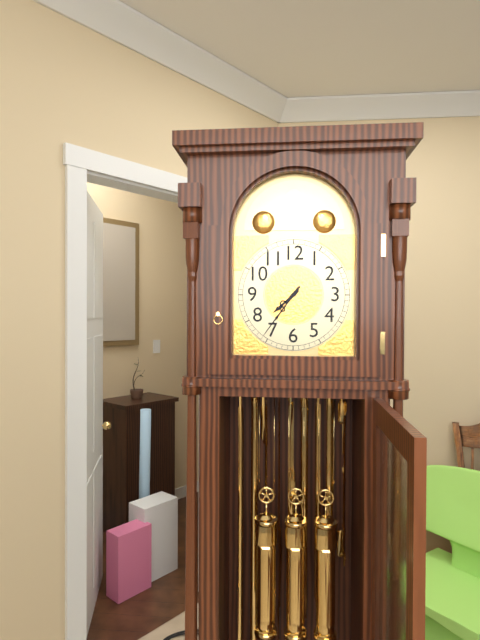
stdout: **7:36**
